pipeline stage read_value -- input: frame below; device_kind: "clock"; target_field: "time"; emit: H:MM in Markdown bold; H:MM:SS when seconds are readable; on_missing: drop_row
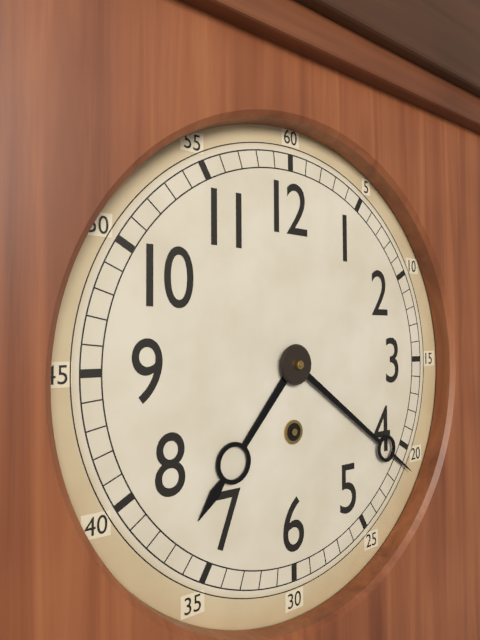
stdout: **7:21**
